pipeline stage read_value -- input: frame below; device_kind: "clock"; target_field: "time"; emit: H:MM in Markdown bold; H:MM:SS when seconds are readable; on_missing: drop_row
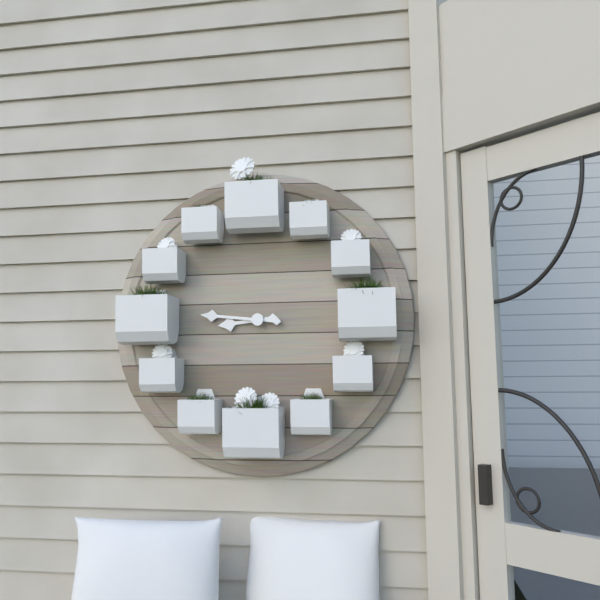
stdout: **8:46**
